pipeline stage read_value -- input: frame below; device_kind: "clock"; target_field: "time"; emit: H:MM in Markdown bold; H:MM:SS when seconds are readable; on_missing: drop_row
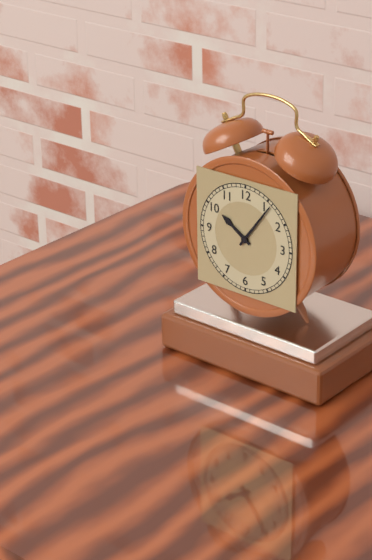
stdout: **10:06**
